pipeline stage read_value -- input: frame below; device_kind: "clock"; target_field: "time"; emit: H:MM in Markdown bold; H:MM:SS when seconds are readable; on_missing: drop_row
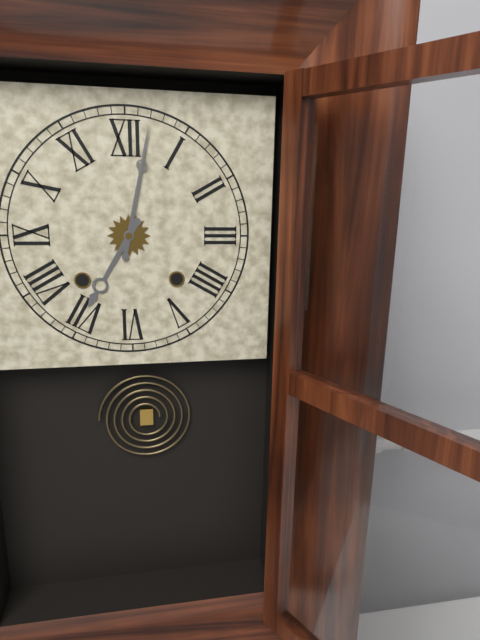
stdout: **7:02**
